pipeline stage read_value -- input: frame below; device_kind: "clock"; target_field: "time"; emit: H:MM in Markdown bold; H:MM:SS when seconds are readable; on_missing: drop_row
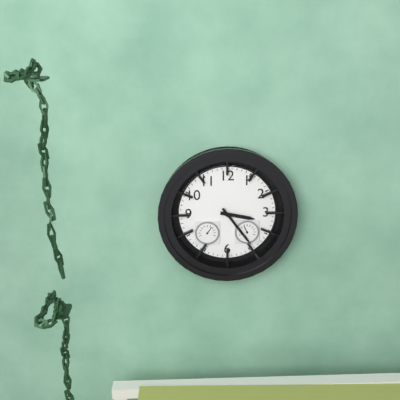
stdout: **3:24**
